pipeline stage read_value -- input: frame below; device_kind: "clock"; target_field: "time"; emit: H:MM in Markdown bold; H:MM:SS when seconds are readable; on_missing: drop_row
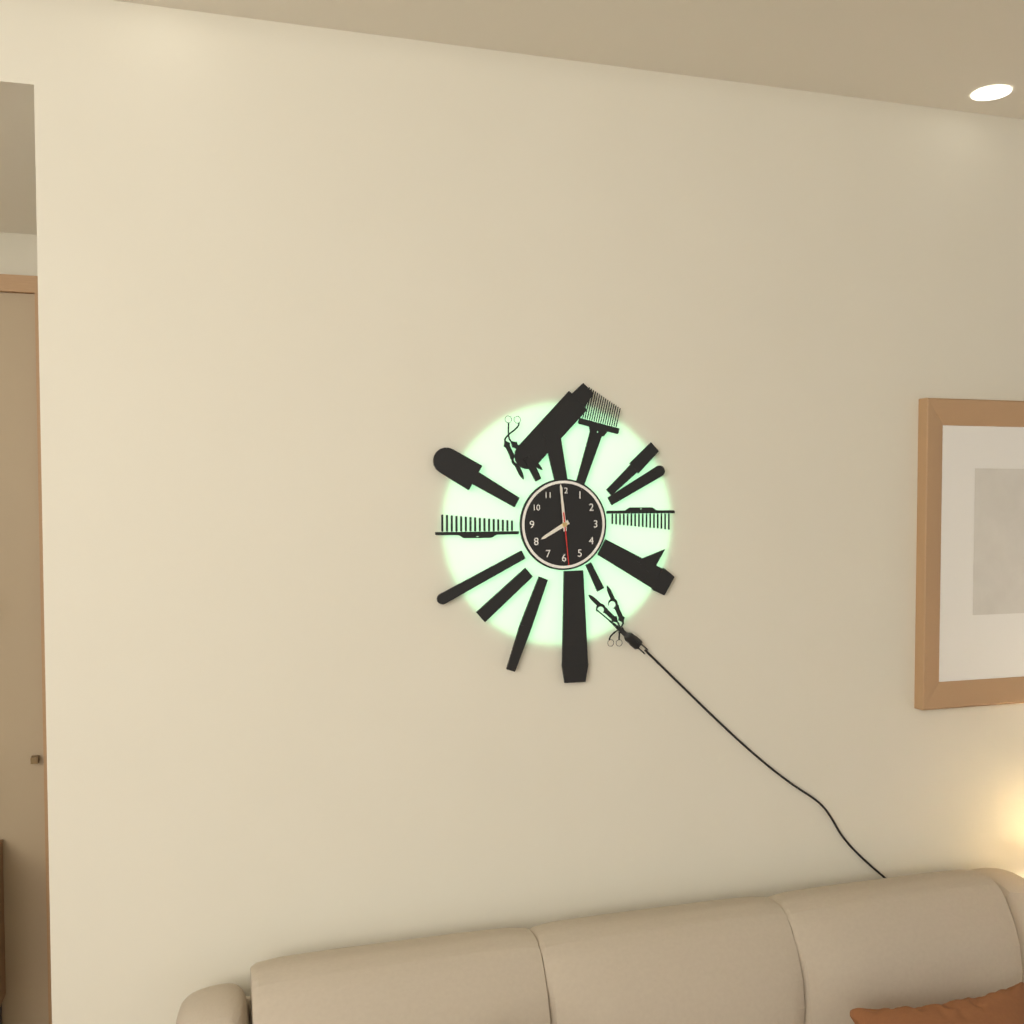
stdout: **7:59:29**
